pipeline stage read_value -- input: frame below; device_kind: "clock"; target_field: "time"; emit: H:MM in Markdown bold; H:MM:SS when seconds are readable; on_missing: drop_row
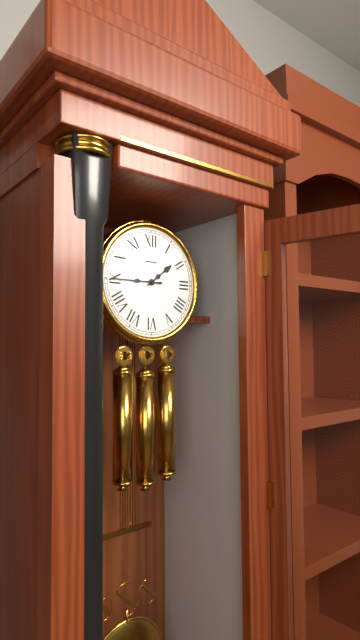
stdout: **1:45**
